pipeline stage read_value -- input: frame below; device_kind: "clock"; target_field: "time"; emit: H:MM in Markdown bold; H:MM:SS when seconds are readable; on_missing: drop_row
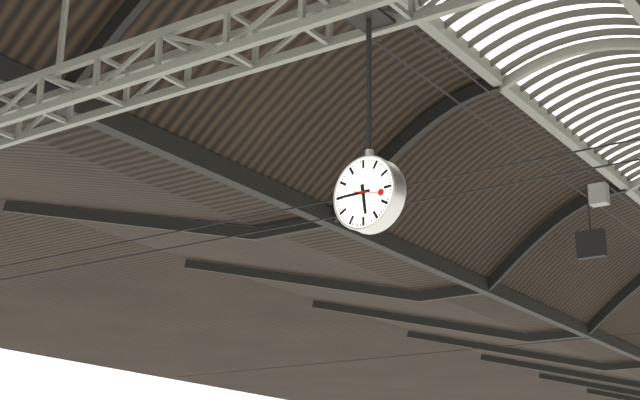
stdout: **5:45**
